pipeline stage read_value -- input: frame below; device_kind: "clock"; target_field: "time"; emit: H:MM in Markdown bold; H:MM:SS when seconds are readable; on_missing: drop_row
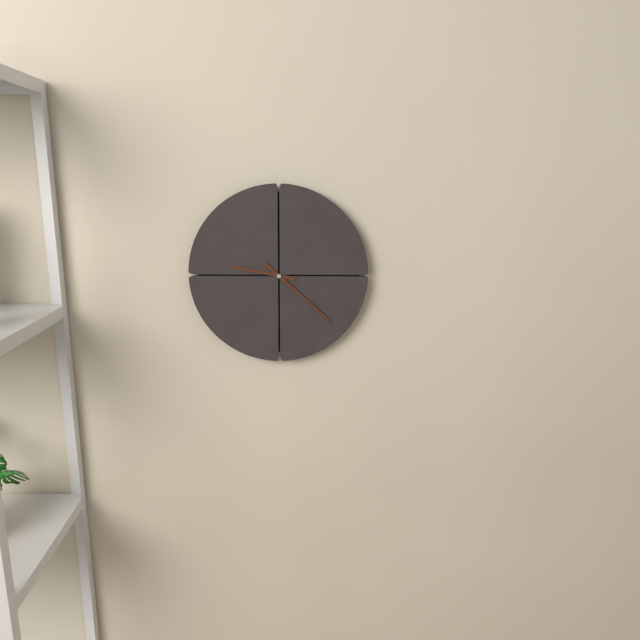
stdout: **9:22**
